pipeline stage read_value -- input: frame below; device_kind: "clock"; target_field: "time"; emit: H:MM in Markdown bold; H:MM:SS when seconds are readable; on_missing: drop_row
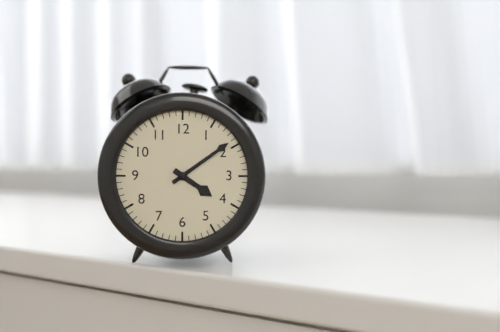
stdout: **4:09**
